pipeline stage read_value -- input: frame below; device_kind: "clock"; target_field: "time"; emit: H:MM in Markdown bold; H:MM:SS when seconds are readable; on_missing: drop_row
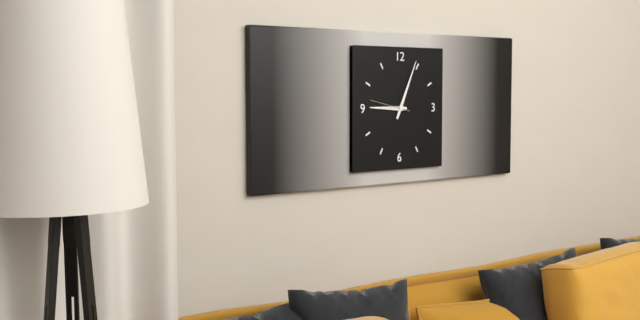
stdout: **9:04**
